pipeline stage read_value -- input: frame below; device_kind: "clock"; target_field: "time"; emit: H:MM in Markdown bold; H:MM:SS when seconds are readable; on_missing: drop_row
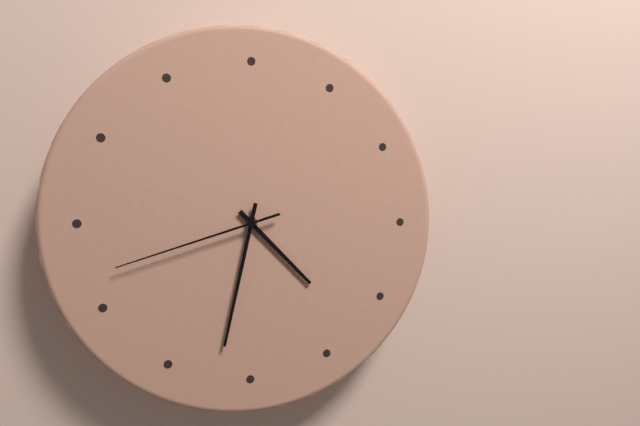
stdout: **4:32:42**
